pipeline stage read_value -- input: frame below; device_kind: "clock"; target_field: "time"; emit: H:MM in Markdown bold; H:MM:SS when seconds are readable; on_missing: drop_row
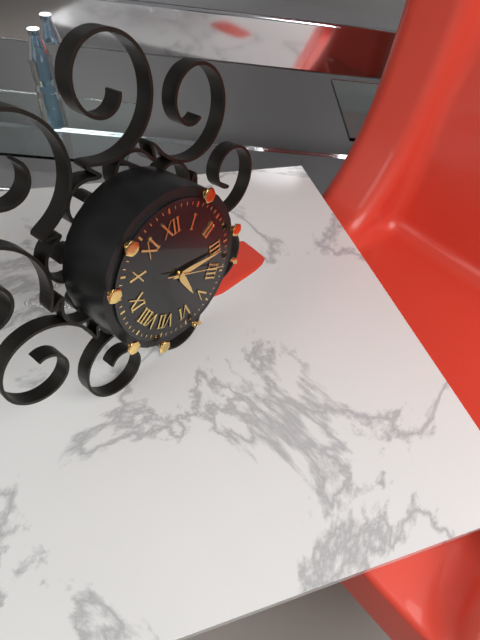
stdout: **5:16:19**
